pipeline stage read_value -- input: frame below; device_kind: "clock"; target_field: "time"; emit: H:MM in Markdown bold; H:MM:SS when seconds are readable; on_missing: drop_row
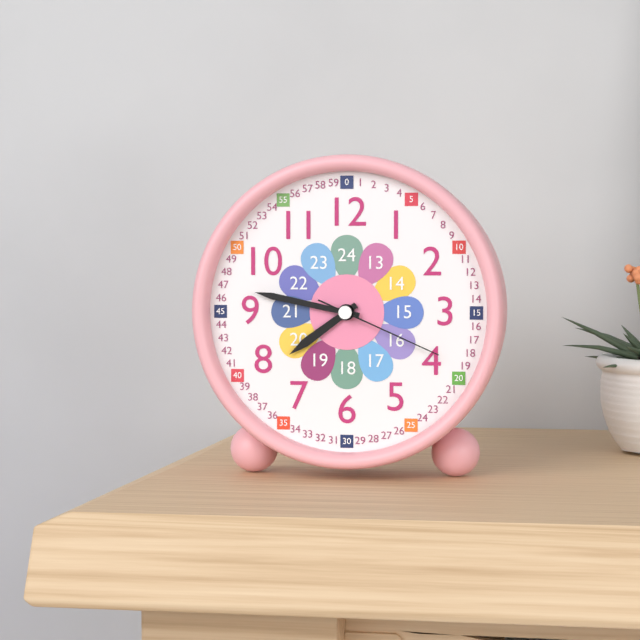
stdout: **7:47:19**
